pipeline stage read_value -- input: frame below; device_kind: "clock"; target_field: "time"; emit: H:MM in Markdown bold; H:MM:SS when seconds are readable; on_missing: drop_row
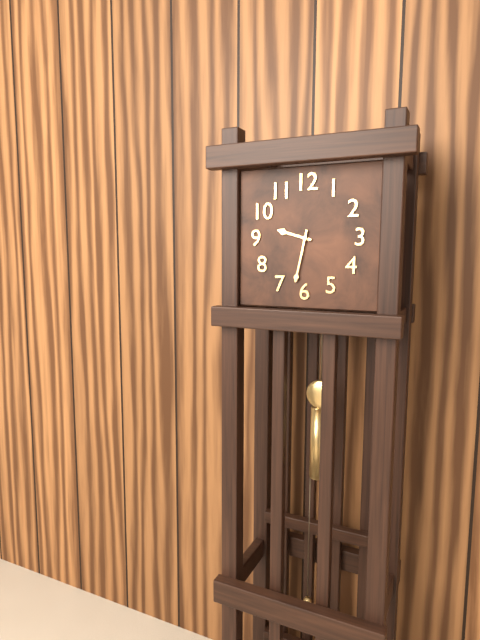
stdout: **9:32**
